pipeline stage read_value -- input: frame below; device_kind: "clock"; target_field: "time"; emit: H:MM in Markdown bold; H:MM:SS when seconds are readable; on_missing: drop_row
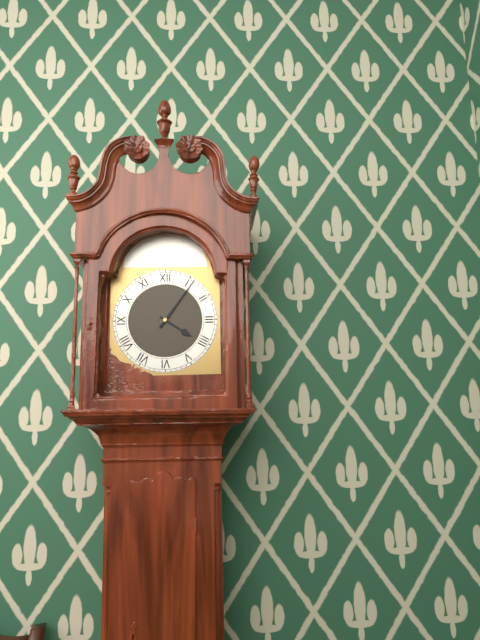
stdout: **4:06**
